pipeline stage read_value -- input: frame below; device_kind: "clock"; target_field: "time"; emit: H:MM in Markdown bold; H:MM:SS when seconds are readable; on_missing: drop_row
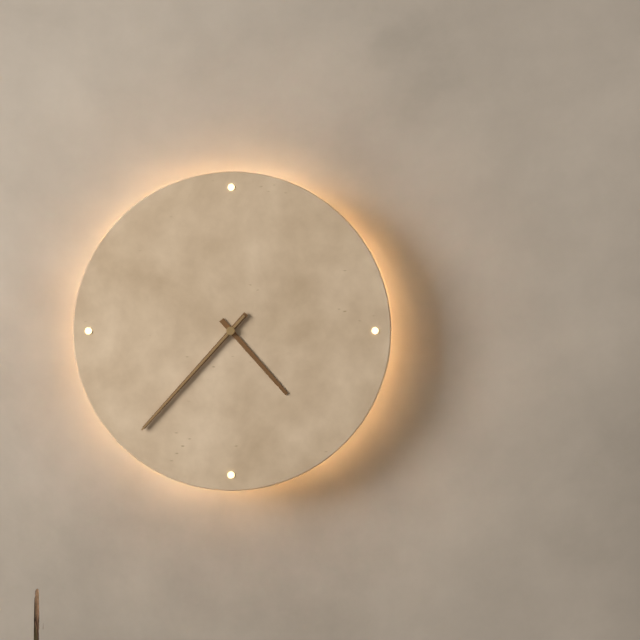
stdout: **4:37:37**
